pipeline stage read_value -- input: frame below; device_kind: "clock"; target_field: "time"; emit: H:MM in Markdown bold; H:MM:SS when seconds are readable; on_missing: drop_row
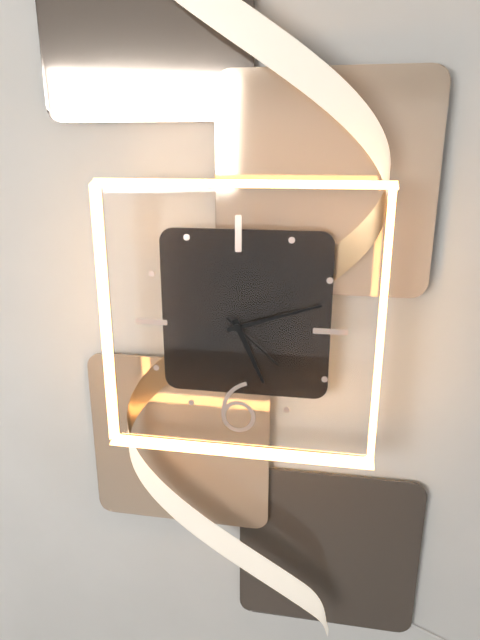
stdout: **5:12:22**
